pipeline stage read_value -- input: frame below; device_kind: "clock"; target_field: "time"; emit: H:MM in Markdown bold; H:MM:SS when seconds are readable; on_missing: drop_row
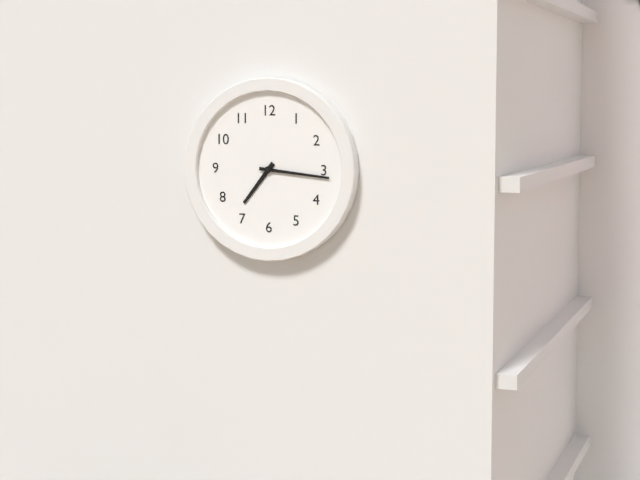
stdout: **7:16**
